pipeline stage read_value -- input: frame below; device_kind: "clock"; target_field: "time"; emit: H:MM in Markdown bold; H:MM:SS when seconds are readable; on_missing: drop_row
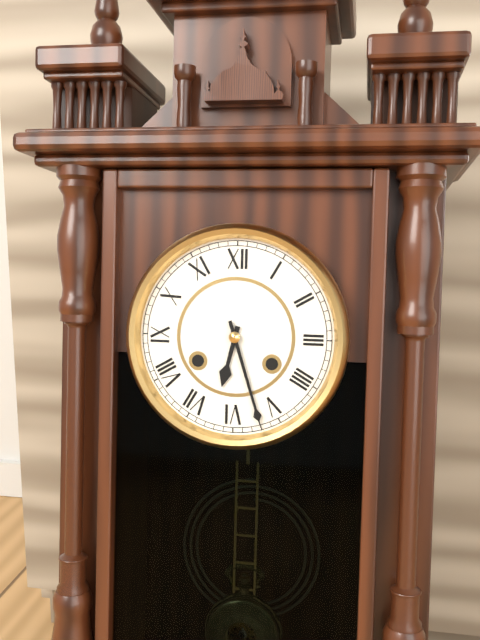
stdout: **6:27**
